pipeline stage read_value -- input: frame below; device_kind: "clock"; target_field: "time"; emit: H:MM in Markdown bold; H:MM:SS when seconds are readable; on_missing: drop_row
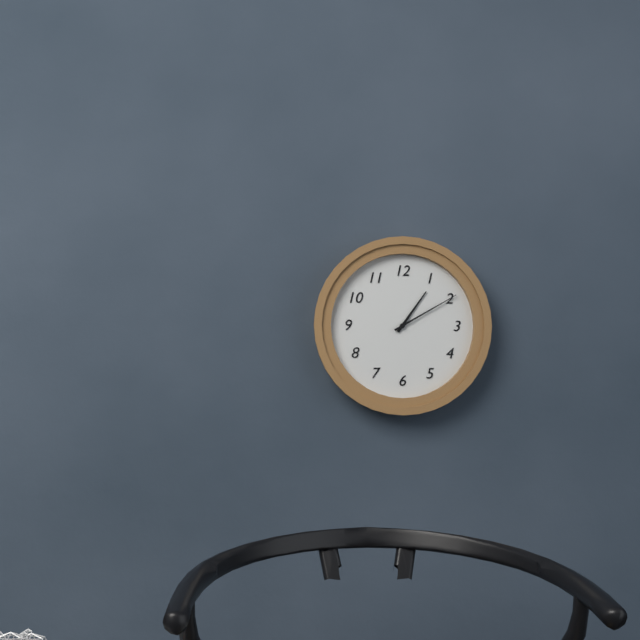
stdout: **1:10**
